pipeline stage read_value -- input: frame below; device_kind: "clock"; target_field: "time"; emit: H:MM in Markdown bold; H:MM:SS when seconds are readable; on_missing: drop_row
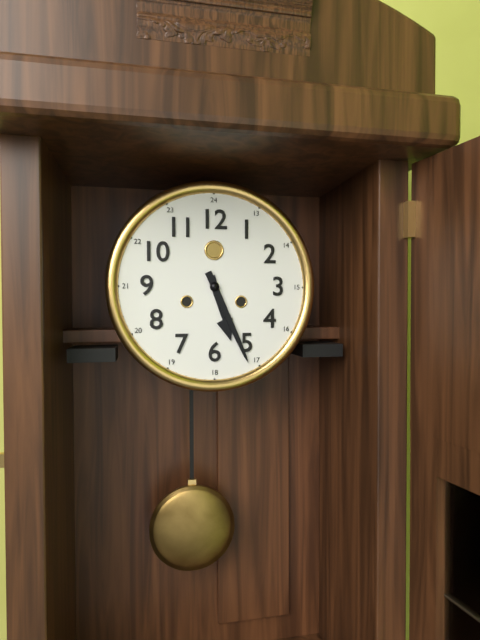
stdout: **5:26**
